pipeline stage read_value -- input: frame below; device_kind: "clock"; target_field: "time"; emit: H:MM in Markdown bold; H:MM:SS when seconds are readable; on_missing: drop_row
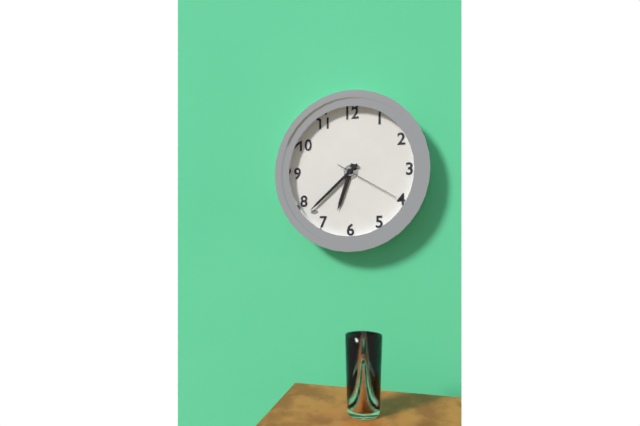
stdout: **6:38:20**
